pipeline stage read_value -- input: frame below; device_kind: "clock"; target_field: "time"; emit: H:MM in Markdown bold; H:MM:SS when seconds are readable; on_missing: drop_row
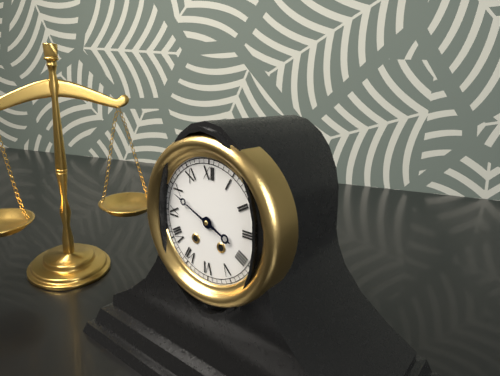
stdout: **3:49**
